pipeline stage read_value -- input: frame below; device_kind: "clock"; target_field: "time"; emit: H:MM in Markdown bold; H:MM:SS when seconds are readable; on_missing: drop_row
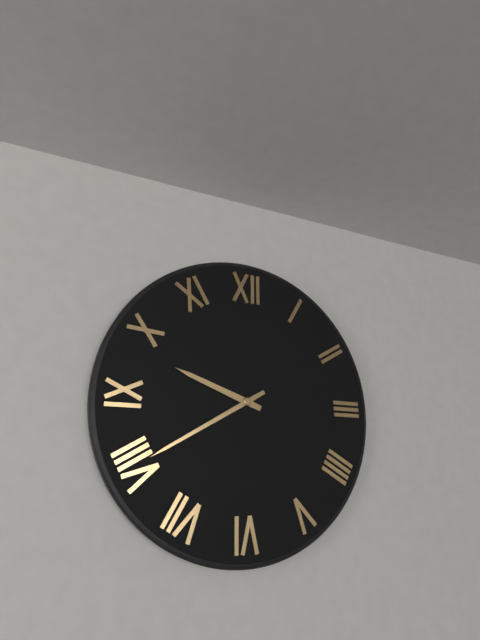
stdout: **9:40**
